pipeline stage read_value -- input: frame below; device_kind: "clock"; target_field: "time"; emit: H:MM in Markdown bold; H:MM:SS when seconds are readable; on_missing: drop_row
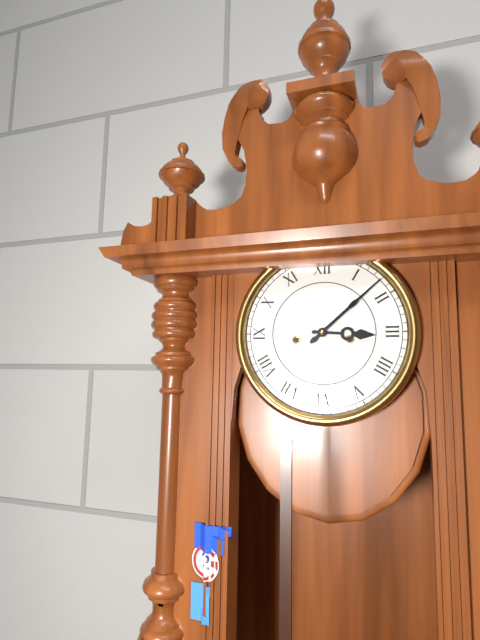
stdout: **3:08**
